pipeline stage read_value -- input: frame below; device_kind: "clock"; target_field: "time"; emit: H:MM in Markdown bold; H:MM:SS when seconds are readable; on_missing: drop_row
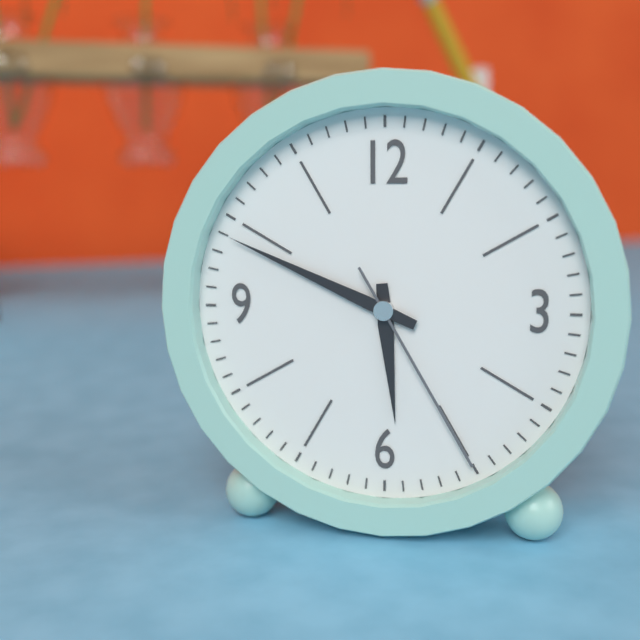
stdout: **5:49:25**
